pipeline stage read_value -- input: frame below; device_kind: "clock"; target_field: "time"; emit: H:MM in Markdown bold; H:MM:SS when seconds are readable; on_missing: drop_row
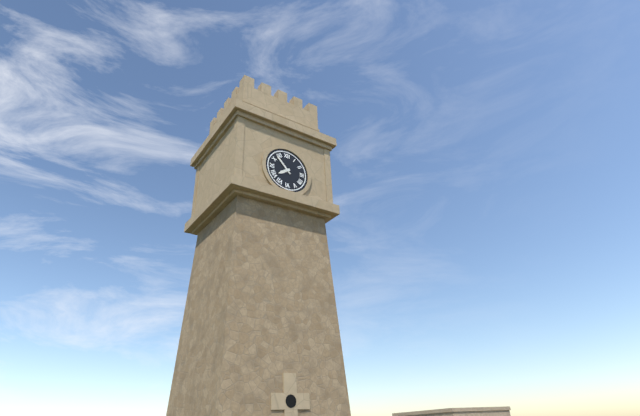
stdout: **7:53**
